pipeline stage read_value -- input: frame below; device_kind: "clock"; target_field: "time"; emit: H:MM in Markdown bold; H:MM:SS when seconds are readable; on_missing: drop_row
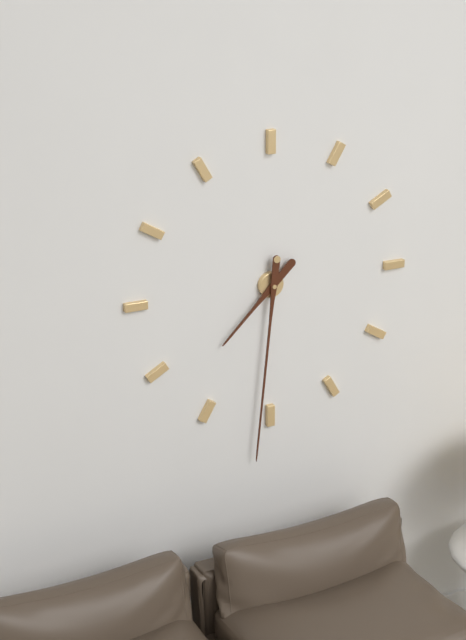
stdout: **7:31**
